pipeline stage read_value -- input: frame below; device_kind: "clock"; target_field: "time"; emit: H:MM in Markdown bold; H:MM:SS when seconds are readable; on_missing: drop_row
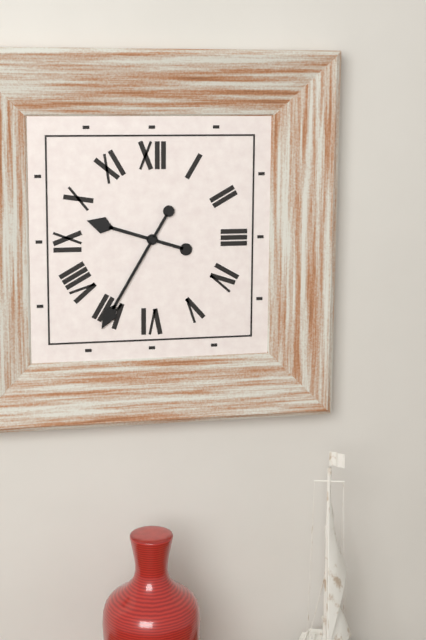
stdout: **9:35**
